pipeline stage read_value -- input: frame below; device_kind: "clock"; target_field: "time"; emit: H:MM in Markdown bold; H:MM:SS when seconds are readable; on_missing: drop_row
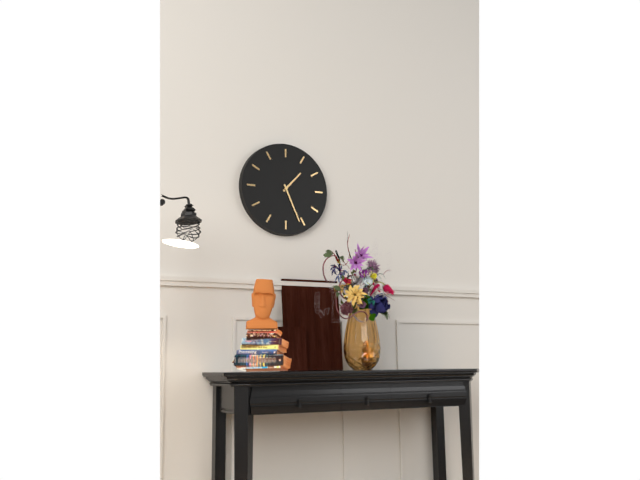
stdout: **1:26**
